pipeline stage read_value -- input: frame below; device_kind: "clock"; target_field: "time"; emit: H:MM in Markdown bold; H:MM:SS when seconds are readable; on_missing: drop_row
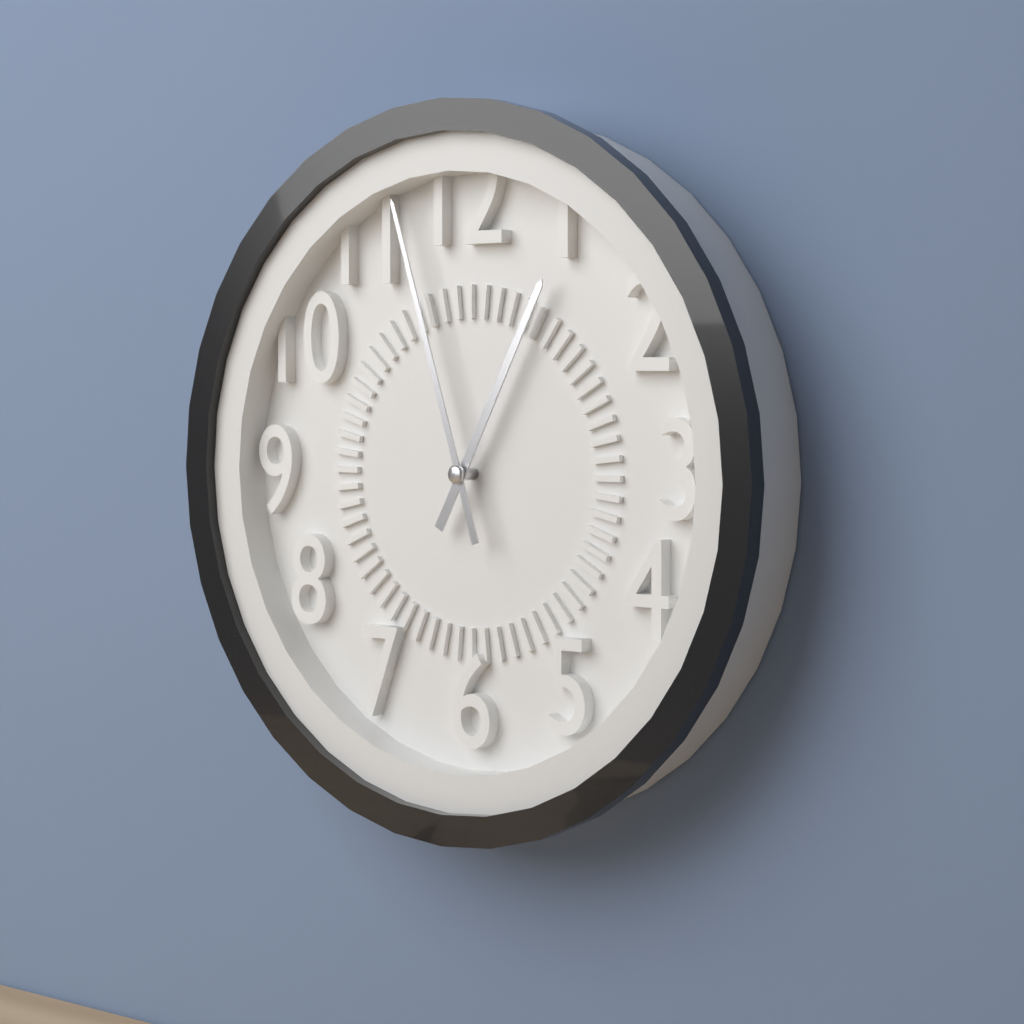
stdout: **12:57**
